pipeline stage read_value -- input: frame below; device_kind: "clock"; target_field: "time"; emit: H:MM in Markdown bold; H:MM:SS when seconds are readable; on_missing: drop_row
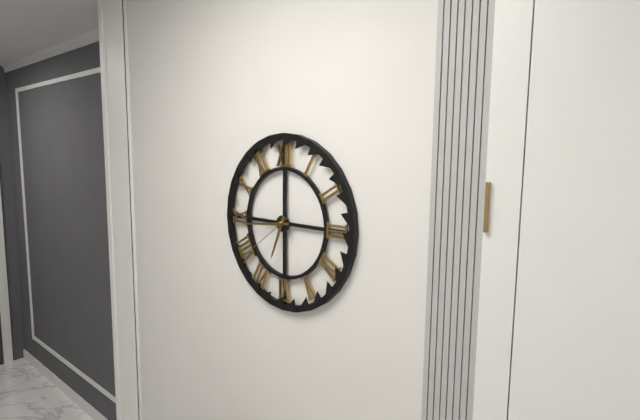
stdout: **6:44:39**
